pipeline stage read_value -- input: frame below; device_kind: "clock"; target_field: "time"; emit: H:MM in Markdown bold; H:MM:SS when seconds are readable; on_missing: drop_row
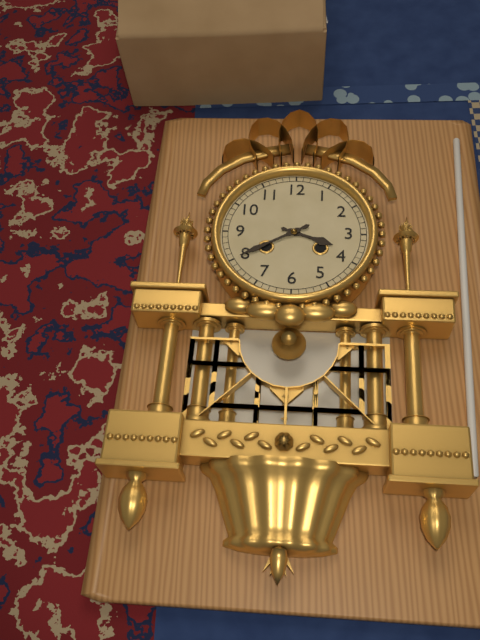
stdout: **3:40**
